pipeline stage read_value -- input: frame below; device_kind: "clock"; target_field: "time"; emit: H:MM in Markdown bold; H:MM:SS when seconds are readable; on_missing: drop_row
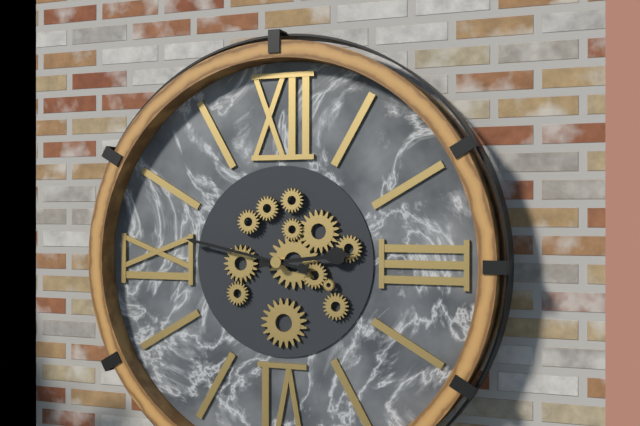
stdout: **2:47**
